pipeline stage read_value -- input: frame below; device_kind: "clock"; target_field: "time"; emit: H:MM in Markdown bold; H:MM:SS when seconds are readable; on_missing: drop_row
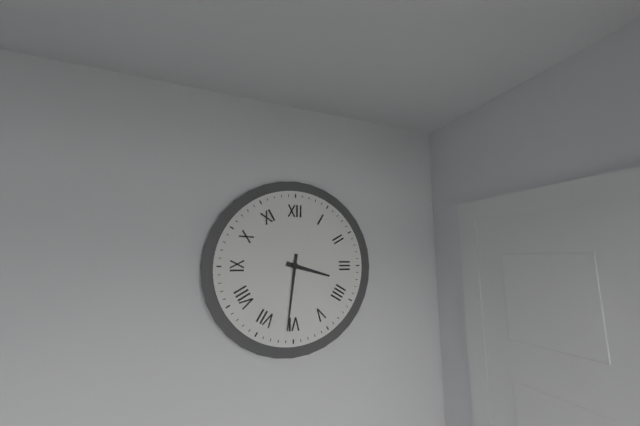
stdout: **3:31**
